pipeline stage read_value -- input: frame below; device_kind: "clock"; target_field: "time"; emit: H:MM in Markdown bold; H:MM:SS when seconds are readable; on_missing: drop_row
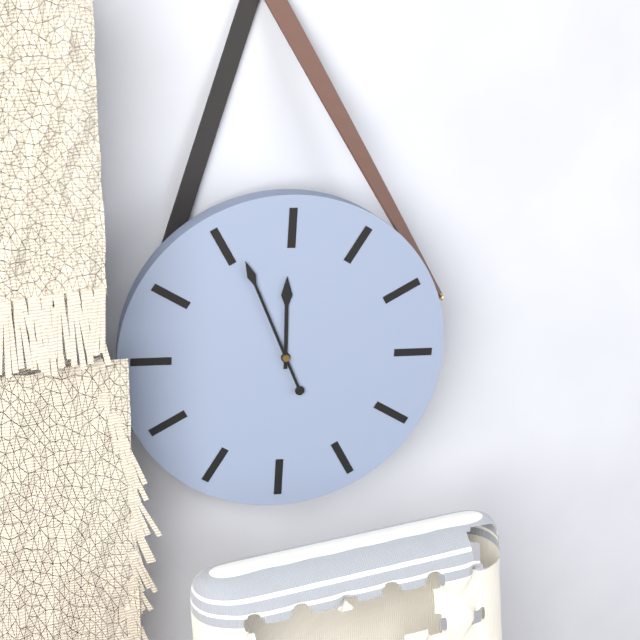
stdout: **11:56**
